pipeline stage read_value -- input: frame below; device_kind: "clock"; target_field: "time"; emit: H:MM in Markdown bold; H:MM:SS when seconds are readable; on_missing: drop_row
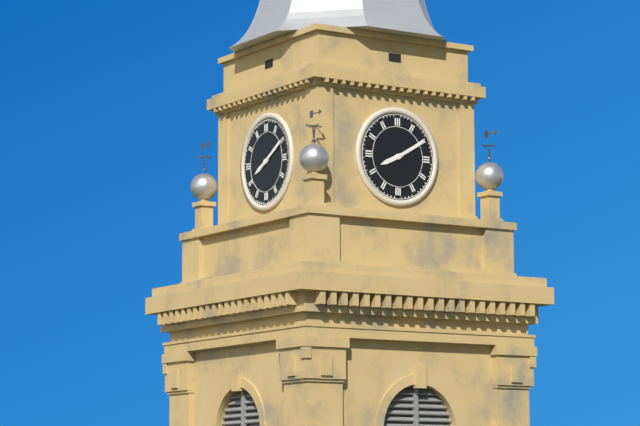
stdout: **8:10**
